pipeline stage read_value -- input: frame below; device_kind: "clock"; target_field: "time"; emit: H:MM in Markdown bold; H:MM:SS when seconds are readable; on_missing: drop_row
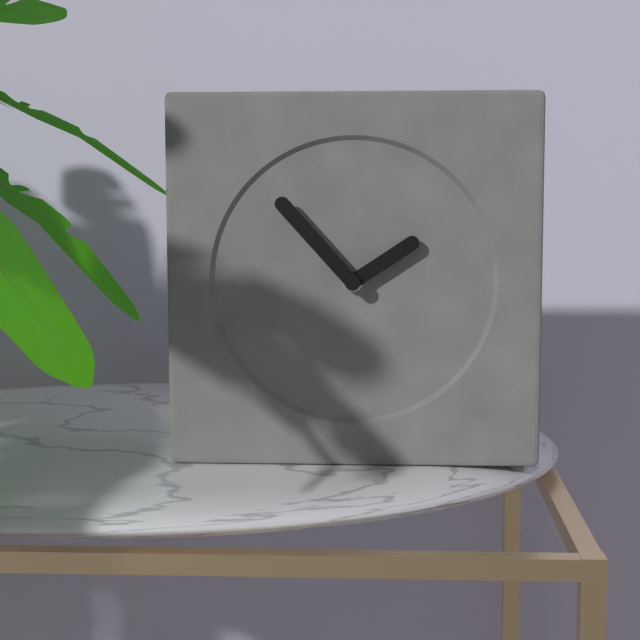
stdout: **1:53**
